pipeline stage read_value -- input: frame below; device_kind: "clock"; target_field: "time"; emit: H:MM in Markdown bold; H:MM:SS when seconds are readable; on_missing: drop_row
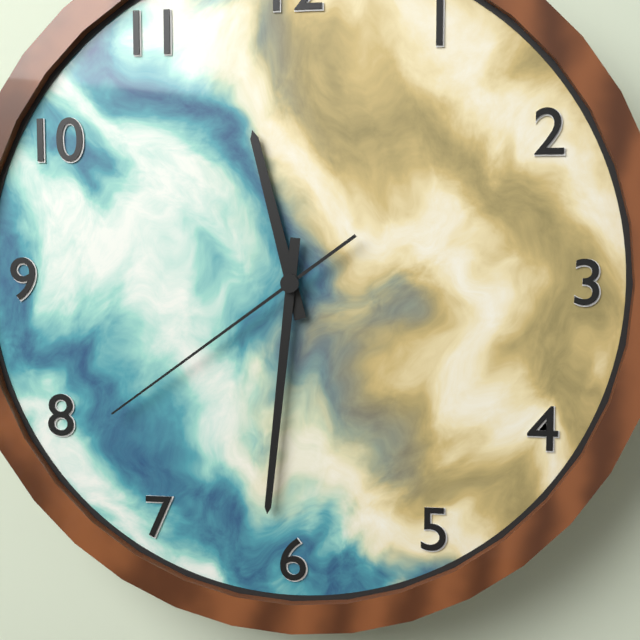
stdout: **11:31:39**
